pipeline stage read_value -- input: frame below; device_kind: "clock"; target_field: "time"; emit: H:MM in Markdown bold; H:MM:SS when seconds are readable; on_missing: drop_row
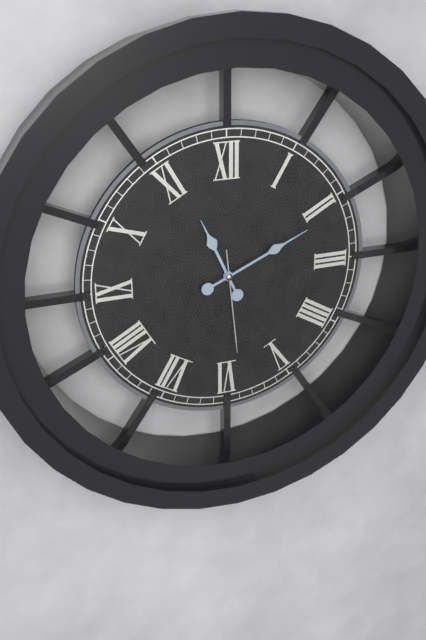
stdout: **11:11:29**
